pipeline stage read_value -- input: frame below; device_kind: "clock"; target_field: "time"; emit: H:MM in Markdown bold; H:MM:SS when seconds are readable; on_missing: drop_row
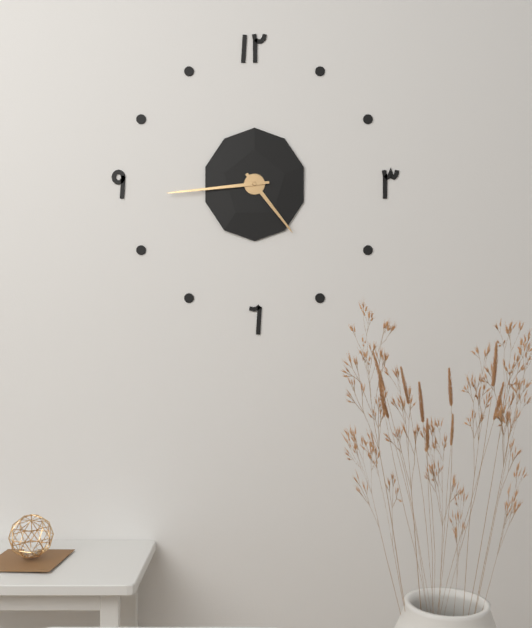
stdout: **4:44**
